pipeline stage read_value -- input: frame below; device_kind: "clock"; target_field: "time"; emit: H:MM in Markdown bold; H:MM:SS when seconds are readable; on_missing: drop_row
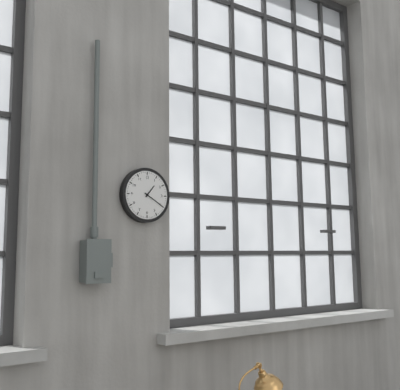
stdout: **1:20**
